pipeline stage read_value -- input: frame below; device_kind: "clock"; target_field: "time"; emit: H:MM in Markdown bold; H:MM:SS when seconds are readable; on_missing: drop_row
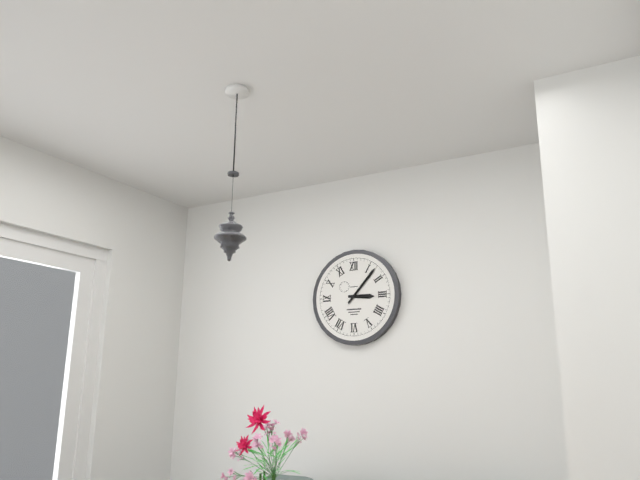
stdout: **3:07**
